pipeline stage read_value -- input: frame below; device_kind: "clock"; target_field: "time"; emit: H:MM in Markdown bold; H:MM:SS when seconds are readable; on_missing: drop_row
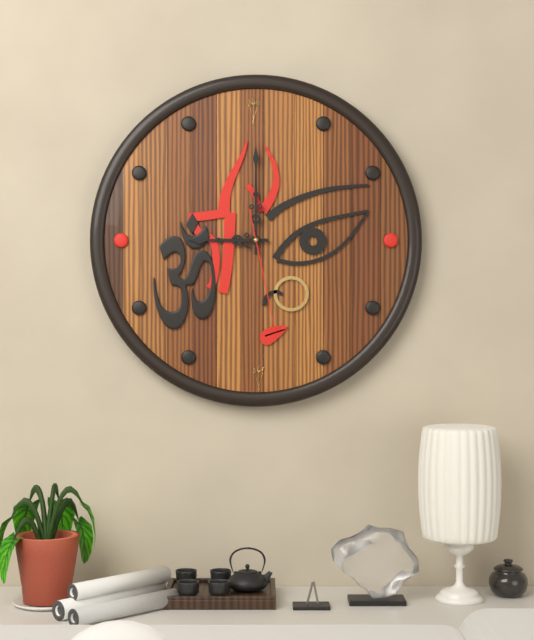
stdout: **9:00:28**
